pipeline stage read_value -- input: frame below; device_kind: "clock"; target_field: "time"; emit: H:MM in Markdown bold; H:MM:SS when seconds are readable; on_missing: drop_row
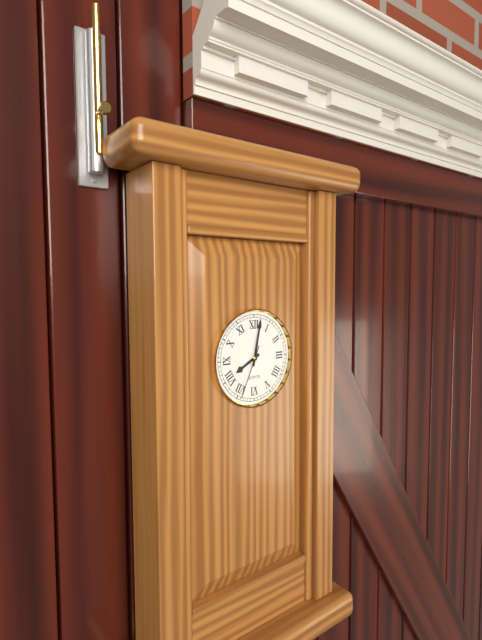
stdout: **8:02:34**
